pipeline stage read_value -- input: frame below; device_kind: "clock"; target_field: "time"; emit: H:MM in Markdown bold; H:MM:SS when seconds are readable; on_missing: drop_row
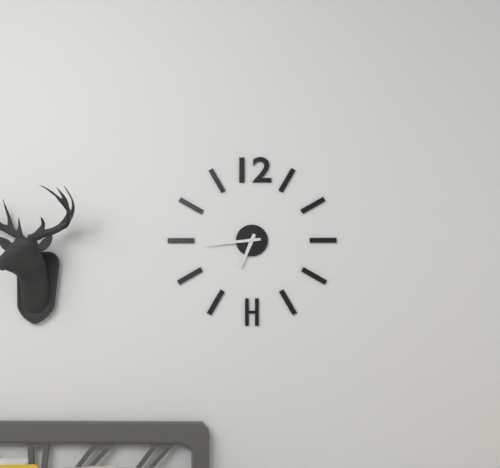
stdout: **6:44**
